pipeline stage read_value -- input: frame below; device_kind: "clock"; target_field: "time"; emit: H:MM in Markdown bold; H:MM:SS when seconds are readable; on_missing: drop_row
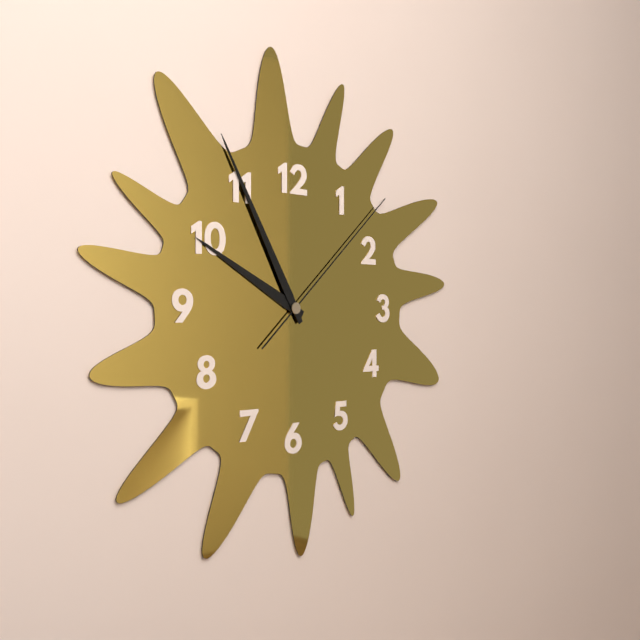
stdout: **9:55:08**
